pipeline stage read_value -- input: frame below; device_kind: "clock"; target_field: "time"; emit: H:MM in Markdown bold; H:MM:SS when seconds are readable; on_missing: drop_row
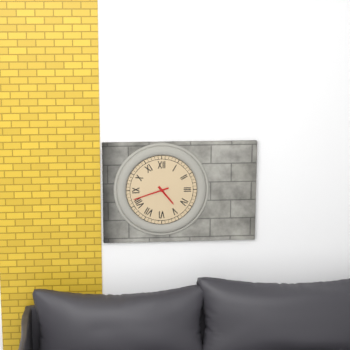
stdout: **4:42**
